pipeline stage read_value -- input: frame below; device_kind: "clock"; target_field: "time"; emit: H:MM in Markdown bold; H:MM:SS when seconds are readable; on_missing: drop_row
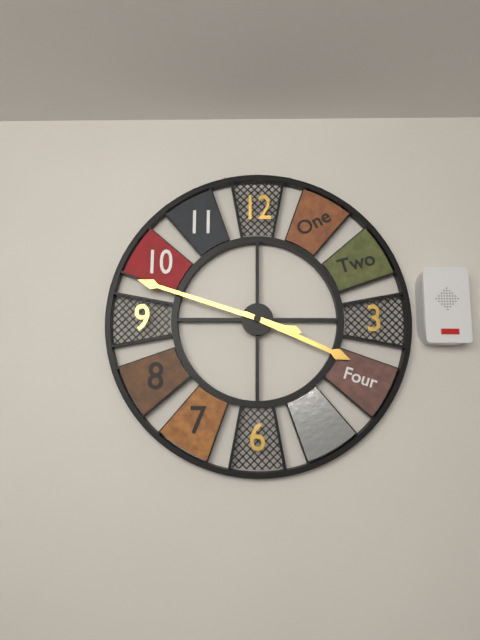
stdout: **3:48**
